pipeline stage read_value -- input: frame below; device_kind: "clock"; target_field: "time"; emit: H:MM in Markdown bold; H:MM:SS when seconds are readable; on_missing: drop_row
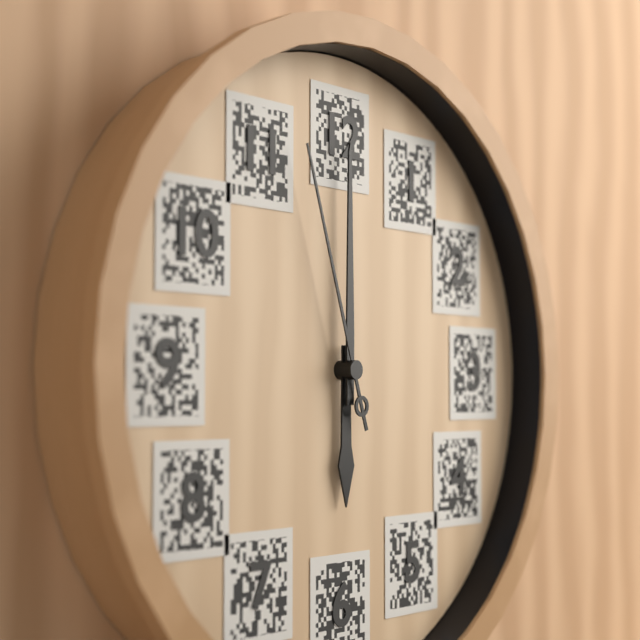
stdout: **6:00:57**
